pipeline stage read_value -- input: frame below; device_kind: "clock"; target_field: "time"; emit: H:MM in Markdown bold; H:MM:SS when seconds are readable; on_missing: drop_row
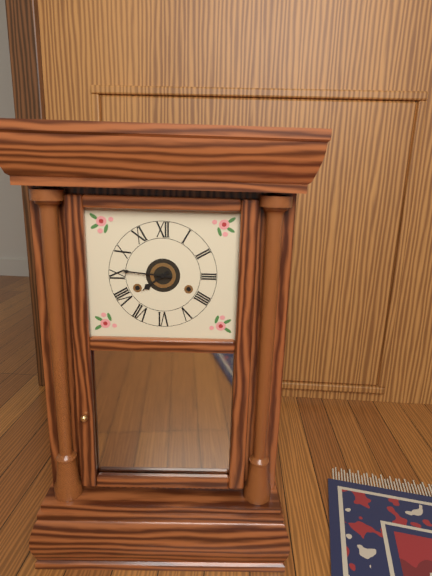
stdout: **7:46**
